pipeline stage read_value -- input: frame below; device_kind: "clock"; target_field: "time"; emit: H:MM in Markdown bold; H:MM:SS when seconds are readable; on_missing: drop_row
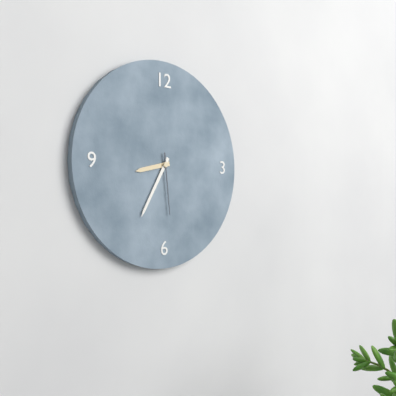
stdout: **8:35:29**
